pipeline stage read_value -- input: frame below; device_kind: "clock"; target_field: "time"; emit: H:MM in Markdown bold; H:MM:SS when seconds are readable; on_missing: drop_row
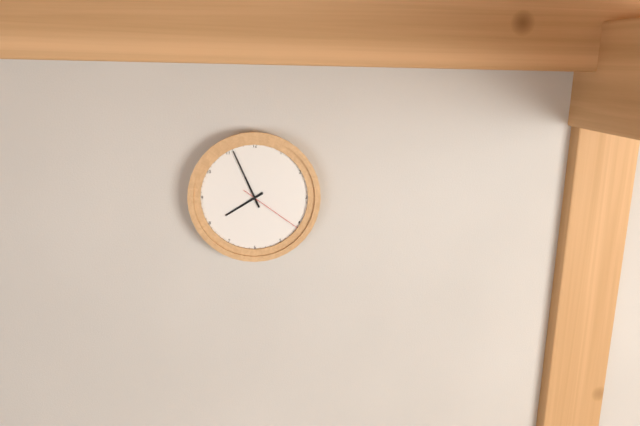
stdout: **7:56:21**
